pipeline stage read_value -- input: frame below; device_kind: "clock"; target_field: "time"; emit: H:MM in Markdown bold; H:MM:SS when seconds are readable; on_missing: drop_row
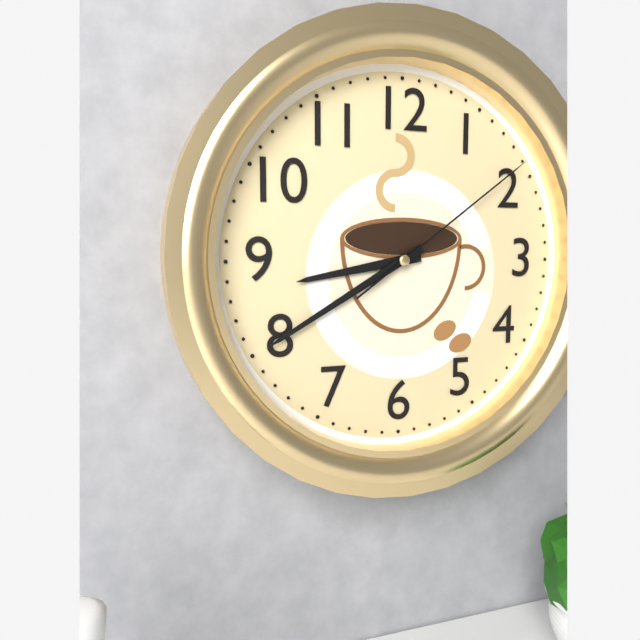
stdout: **8:40:09**
